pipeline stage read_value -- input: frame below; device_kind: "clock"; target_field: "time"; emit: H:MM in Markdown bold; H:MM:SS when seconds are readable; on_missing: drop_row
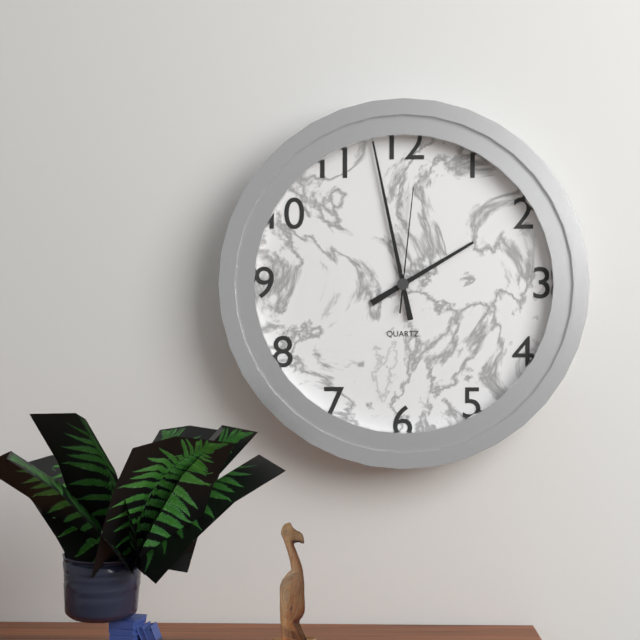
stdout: **1:58:01**
